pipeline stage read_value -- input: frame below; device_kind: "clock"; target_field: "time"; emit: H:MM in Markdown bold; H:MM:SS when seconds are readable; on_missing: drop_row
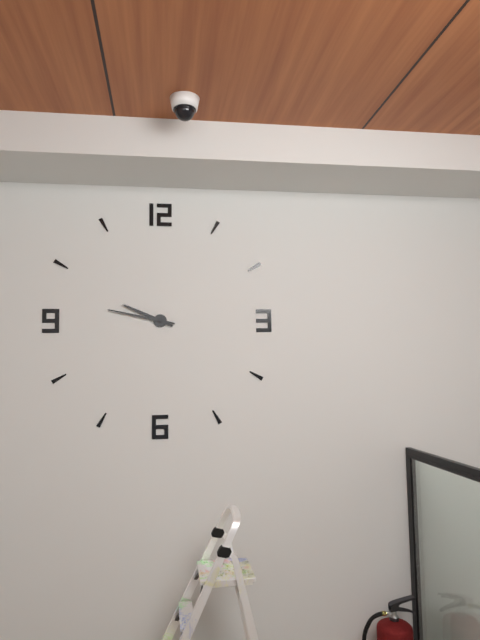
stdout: **9:47**
